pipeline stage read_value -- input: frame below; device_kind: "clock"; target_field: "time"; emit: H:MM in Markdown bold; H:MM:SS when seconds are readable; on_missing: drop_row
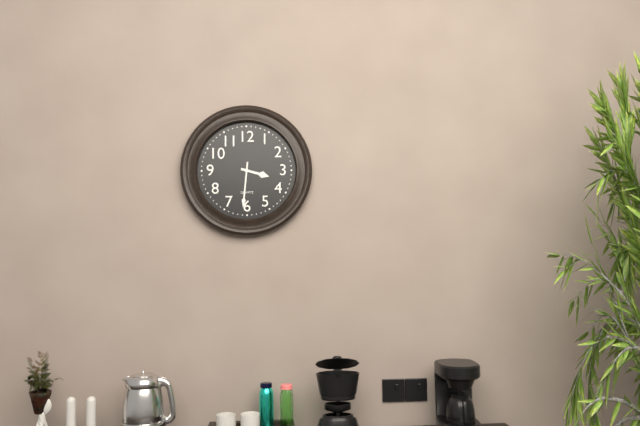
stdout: **3:31**
